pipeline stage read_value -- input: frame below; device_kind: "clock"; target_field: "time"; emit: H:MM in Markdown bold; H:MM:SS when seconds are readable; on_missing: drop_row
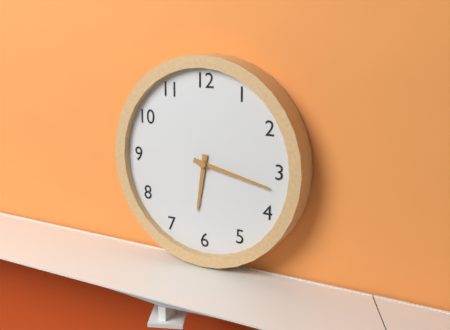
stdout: **6:17**
